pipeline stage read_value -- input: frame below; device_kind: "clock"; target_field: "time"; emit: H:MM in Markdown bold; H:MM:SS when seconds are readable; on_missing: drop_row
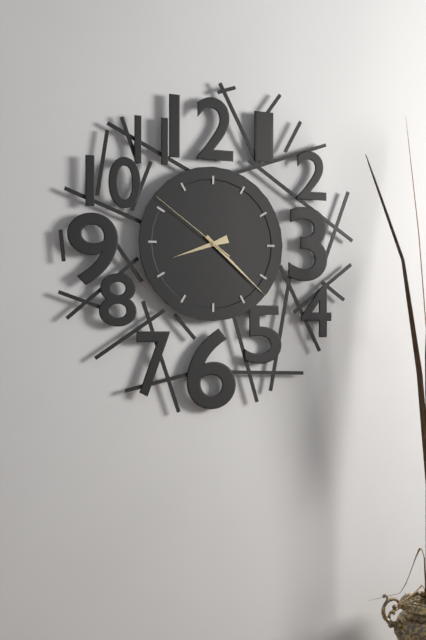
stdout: **8:22:51**
